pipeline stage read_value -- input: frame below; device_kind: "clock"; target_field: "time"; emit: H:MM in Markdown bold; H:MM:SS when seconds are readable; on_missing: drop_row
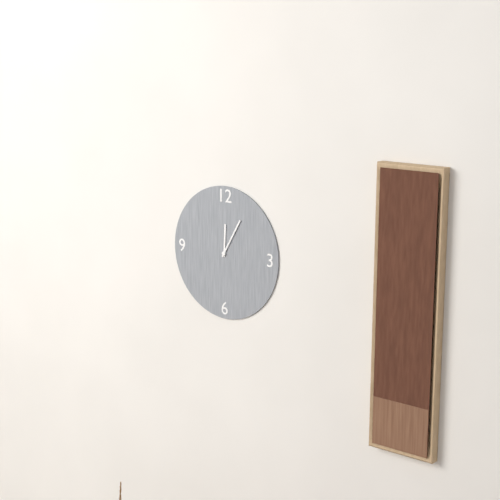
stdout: **12:05**
